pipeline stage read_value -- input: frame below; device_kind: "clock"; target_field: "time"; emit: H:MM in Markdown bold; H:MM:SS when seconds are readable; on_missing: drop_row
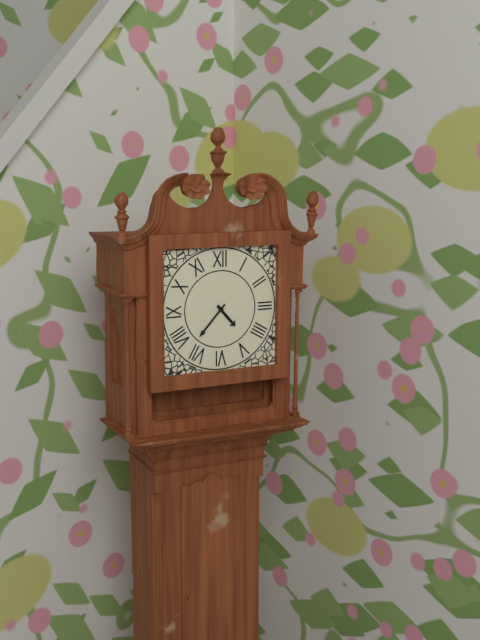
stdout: **4:37**
